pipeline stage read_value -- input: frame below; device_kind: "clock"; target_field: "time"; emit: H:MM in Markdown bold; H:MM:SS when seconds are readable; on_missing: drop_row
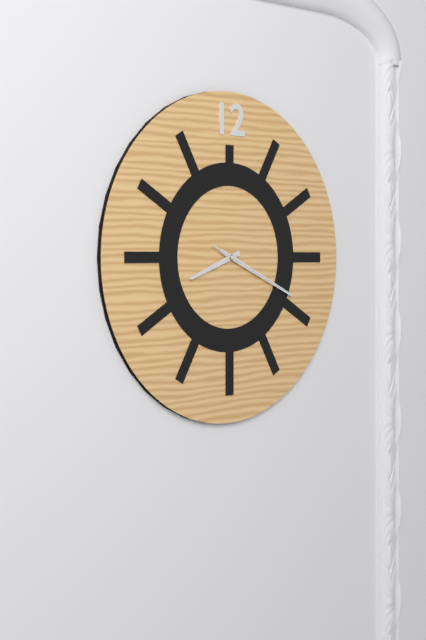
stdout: **8:19:19**
